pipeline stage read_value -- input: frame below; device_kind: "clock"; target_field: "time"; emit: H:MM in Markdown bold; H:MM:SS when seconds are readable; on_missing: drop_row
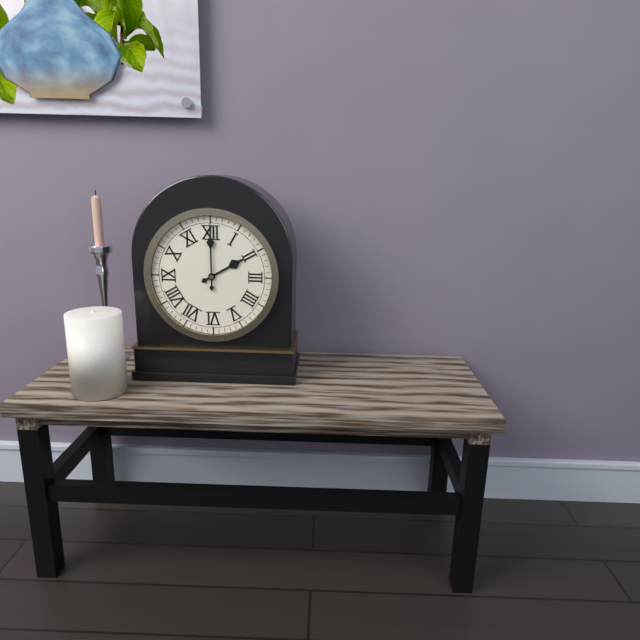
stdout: **2:00**
